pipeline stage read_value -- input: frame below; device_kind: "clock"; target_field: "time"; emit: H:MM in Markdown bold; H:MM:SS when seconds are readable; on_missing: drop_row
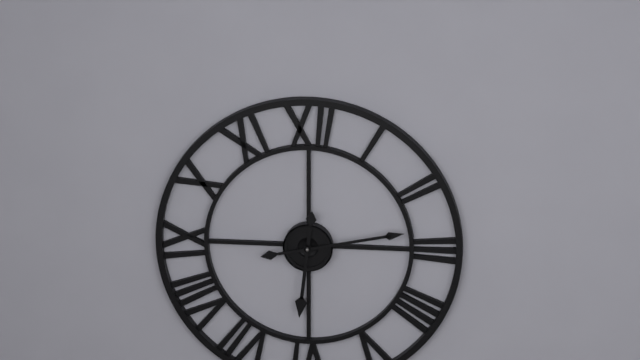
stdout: **6:13**
